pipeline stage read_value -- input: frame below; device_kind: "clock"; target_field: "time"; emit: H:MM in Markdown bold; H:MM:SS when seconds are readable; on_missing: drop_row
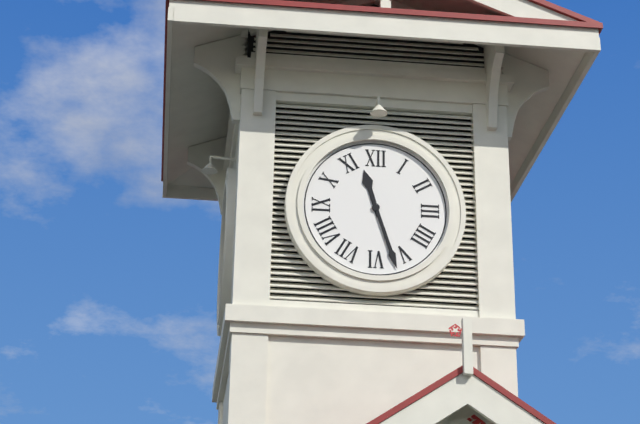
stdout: **11:27**
